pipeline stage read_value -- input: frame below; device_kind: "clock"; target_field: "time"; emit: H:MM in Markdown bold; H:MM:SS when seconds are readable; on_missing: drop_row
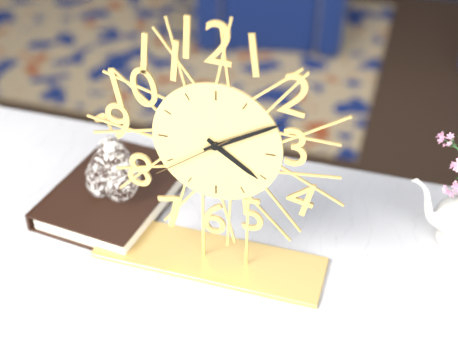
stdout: **4:10:39**
